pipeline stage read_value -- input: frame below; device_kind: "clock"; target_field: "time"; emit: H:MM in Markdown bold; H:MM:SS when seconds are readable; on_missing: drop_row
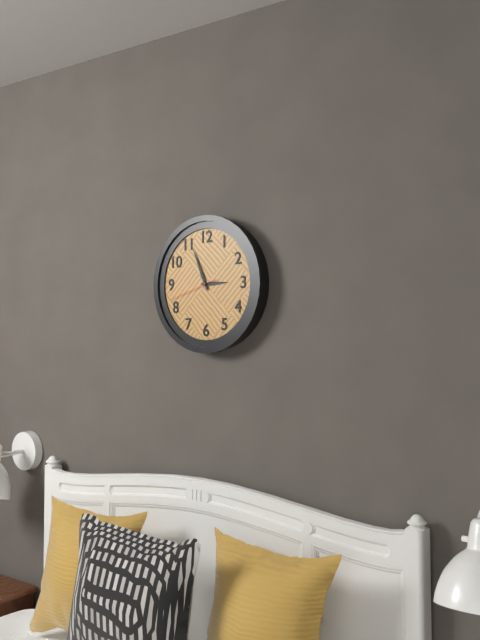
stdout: **2:56:42**
